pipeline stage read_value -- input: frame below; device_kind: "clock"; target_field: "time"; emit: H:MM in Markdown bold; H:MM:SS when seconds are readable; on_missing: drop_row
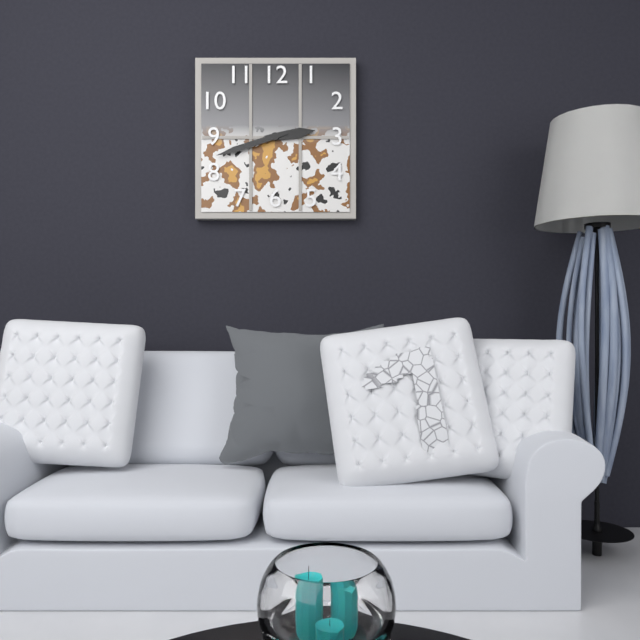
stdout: **2:42**
